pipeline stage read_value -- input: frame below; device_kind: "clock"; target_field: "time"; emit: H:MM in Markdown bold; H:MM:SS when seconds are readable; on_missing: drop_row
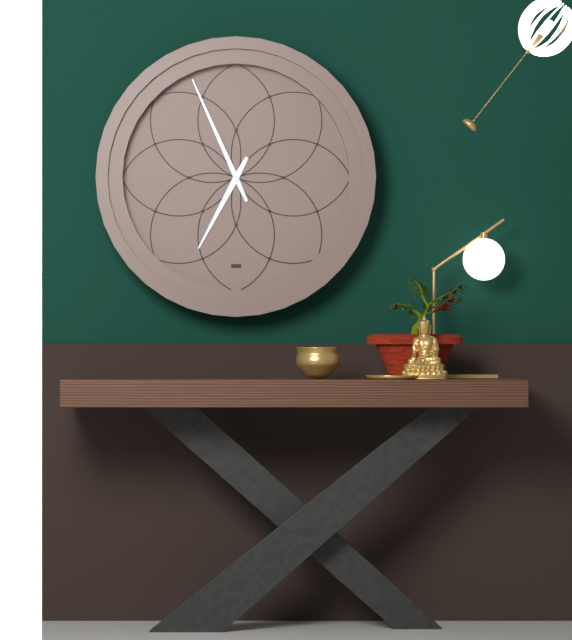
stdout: **6:56**
